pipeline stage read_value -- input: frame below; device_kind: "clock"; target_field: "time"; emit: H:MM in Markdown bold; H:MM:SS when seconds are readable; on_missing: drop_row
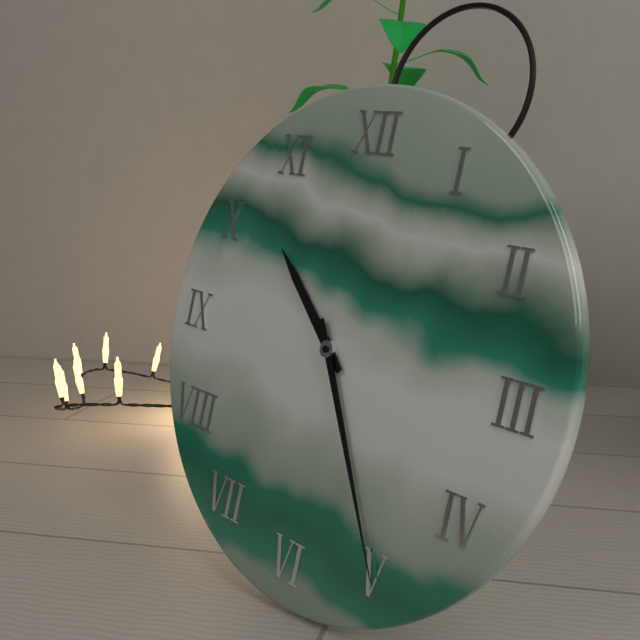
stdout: **10:25**
